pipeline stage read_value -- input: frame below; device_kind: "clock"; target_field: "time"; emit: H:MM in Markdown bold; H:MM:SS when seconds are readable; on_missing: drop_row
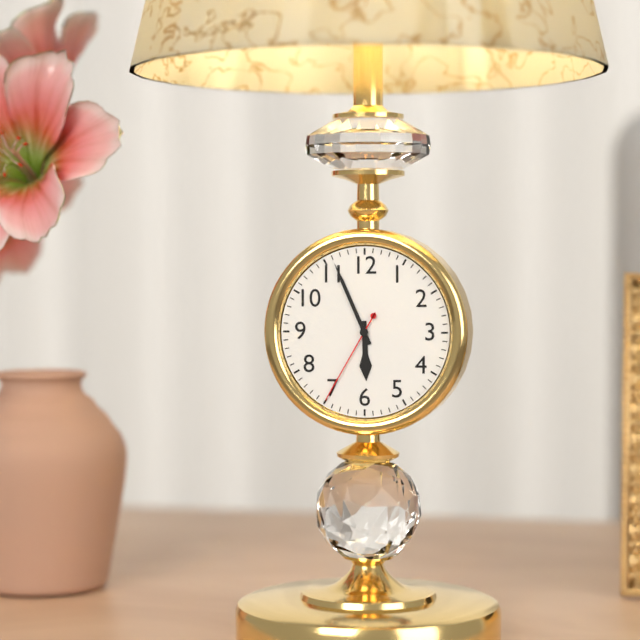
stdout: **5:56:35**
